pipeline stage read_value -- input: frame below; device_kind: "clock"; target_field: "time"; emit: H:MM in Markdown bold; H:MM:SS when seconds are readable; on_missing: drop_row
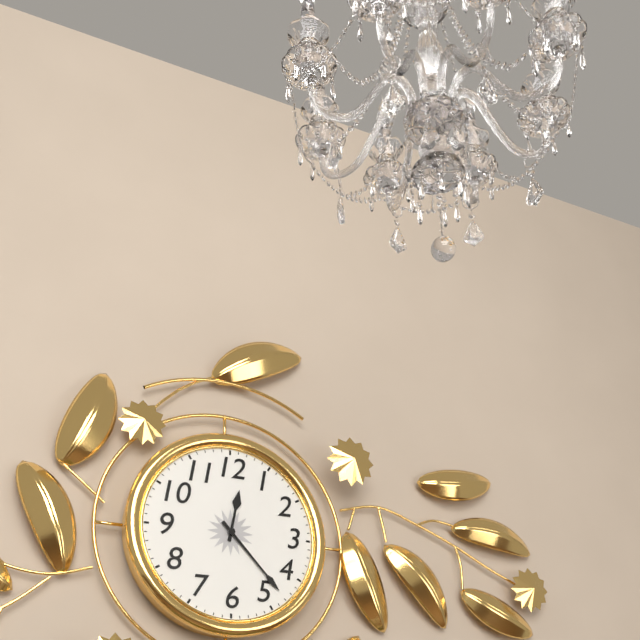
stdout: **12:23**
